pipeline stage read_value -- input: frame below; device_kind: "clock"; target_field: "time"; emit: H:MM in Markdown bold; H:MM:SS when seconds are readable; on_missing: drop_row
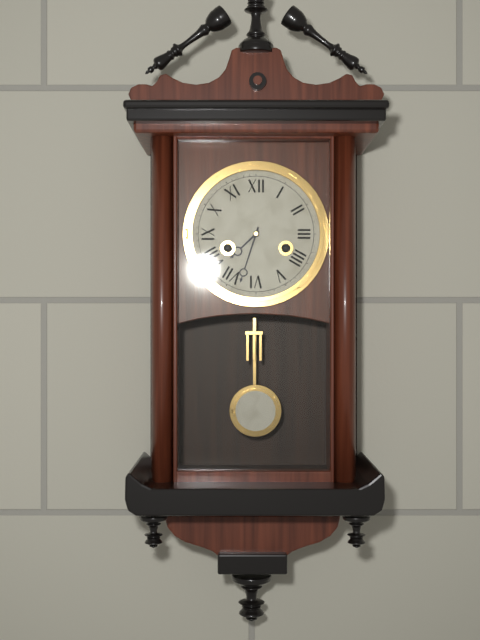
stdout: **7:33**
